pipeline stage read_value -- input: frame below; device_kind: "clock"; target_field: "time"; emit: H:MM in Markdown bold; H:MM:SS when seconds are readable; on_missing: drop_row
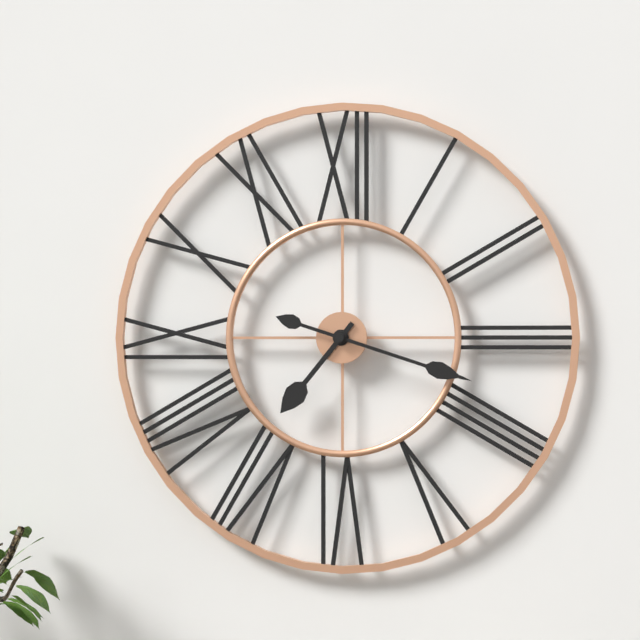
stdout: **7:18**
